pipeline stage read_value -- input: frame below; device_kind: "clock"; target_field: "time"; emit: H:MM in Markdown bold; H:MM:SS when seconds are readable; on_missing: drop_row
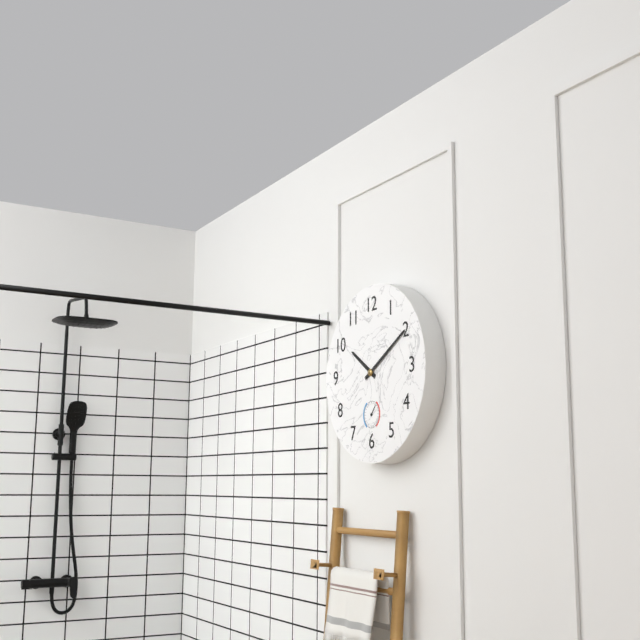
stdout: **10:10**
